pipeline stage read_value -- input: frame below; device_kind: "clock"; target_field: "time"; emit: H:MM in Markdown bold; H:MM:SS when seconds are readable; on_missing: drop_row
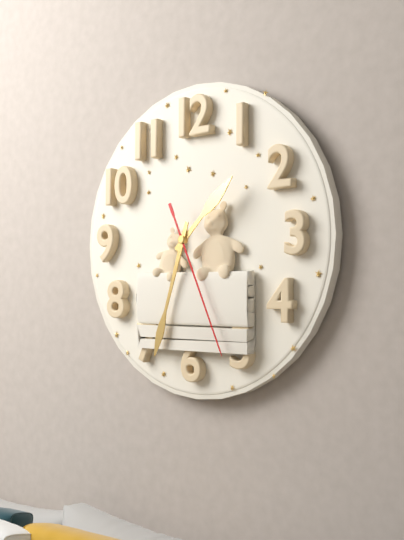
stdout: **1:33:26**
